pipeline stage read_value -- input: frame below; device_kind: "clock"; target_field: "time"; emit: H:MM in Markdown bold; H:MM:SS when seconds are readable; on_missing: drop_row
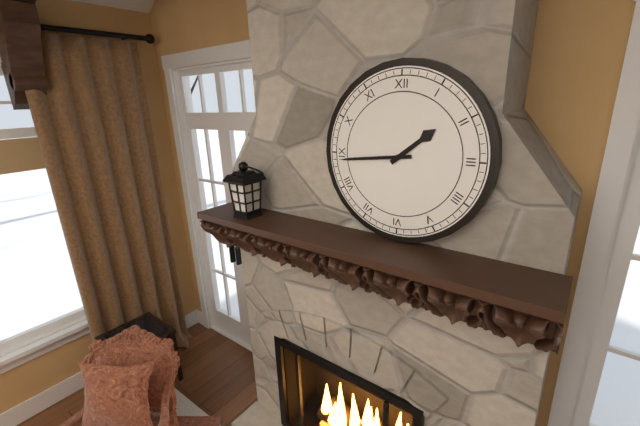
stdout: **1:44**
